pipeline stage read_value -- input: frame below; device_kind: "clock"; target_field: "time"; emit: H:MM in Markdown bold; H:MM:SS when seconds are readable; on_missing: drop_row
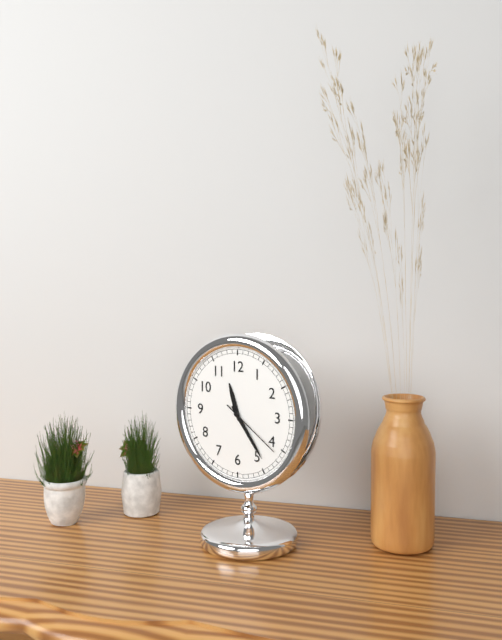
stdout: **11:24:21**
